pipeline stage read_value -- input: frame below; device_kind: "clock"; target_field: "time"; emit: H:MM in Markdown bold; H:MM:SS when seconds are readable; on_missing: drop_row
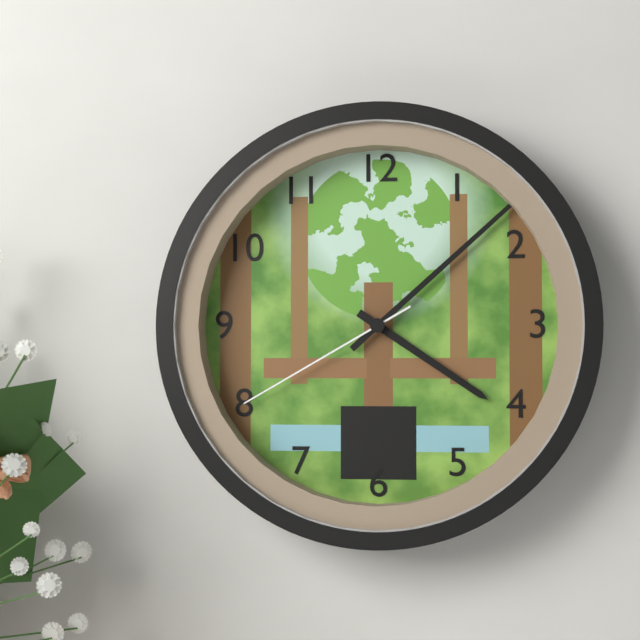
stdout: **4:08:40**
